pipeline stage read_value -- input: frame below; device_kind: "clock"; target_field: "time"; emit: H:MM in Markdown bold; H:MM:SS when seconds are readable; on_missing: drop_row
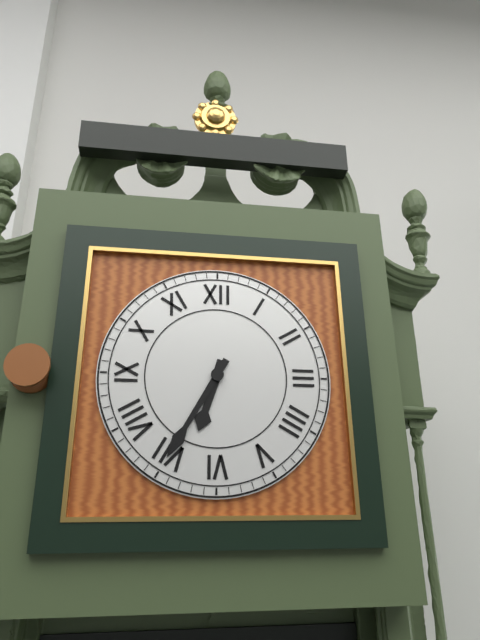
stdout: **6:35**
